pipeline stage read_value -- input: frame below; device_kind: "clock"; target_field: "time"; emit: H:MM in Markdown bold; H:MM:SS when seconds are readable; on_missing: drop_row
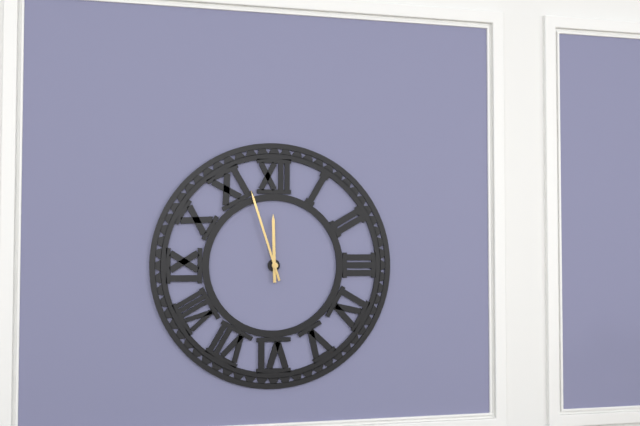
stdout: **11:57**
